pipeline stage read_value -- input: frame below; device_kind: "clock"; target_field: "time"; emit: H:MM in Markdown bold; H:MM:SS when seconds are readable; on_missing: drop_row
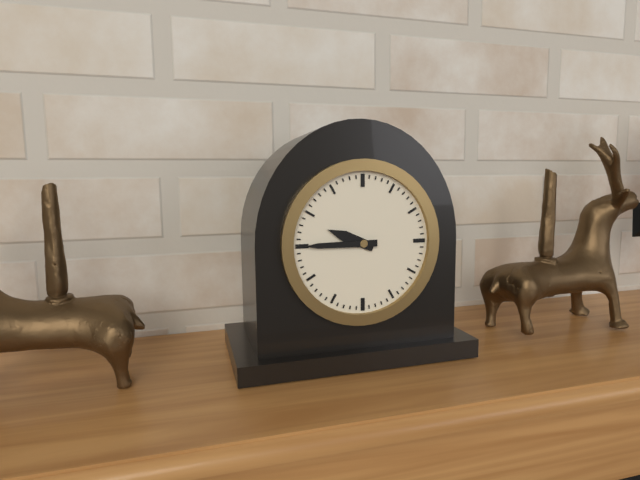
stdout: **9:45**
